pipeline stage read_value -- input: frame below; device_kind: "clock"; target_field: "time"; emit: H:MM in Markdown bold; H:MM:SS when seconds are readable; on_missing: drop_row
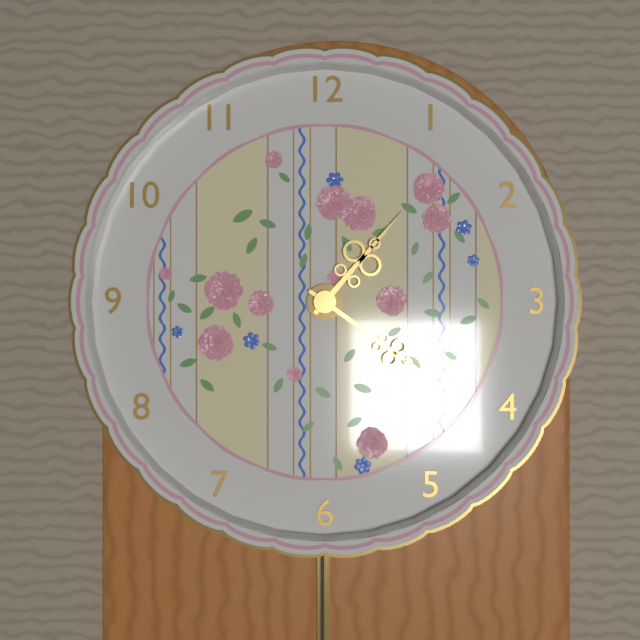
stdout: **1:21**
